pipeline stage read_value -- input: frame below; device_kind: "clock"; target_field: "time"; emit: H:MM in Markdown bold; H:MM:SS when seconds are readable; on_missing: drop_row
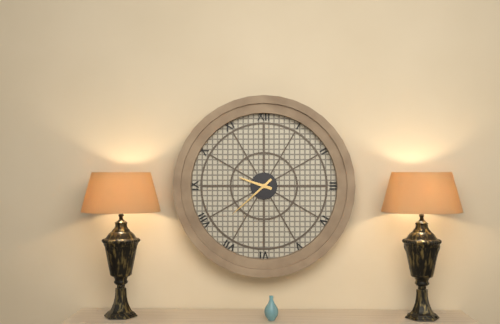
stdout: **9:38**
